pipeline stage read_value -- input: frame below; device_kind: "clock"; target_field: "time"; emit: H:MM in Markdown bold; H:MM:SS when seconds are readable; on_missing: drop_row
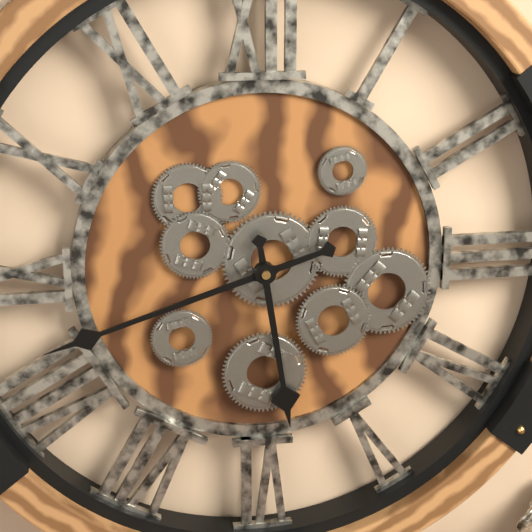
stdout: **5:42**
